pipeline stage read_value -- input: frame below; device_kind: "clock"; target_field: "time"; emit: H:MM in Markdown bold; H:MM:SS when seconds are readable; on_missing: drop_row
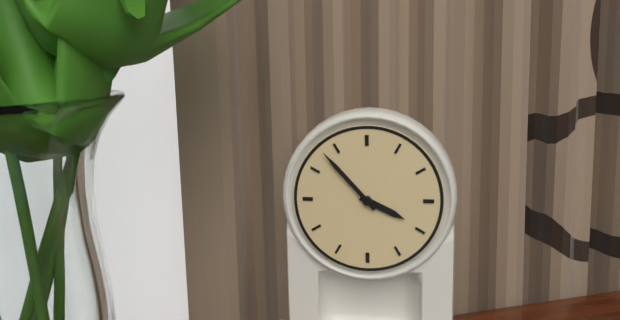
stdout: **3:53**
